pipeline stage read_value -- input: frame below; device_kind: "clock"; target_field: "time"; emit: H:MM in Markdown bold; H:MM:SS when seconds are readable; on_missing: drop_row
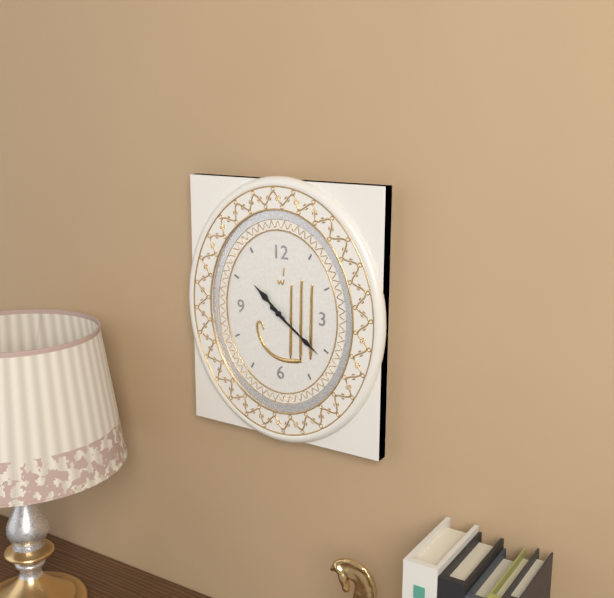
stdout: **10:21**
